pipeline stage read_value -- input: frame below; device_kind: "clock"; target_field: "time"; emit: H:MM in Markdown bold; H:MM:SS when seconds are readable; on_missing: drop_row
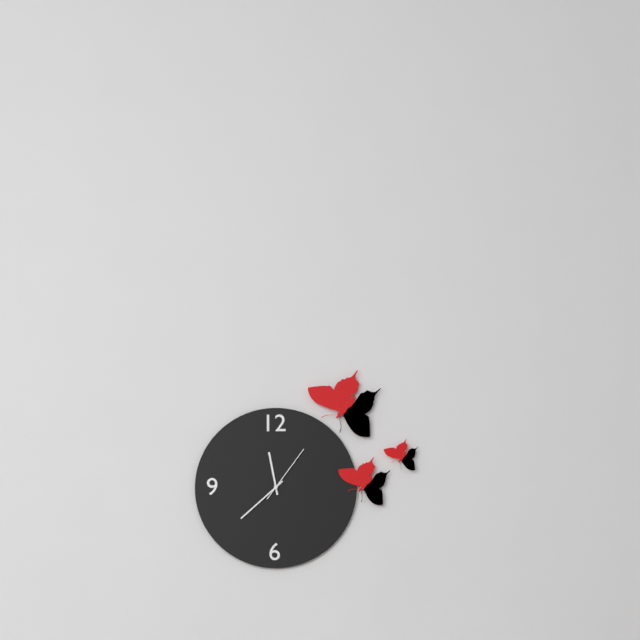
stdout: **11:38:06**
